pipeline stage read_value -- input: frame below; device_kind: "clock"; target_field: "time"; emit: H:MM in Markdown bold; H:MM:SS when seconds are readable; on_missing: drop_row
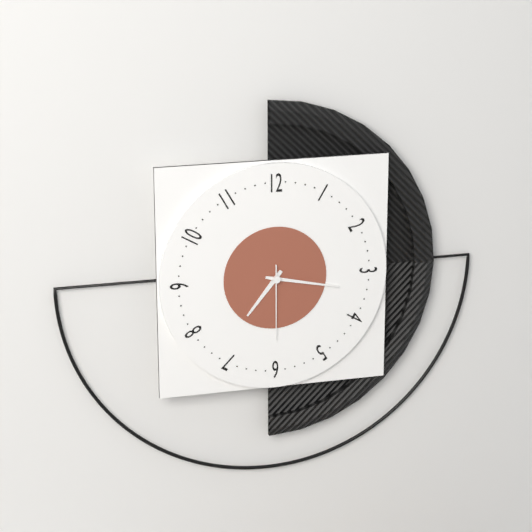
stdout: **7:17:30**
